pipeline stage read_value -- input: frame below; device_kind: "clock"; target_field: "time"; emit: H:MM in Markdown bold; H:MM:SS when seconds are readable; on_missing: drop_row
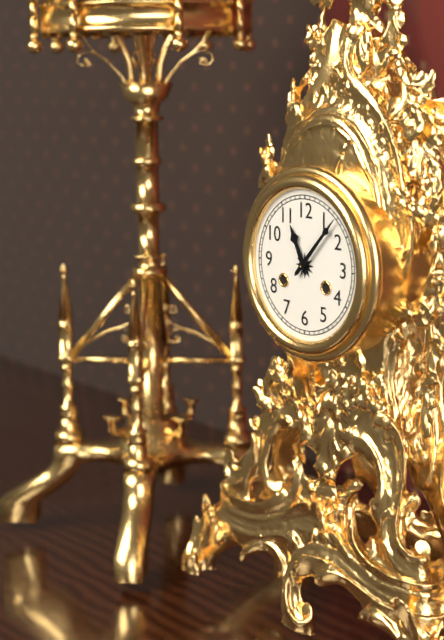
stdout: **11:07**
